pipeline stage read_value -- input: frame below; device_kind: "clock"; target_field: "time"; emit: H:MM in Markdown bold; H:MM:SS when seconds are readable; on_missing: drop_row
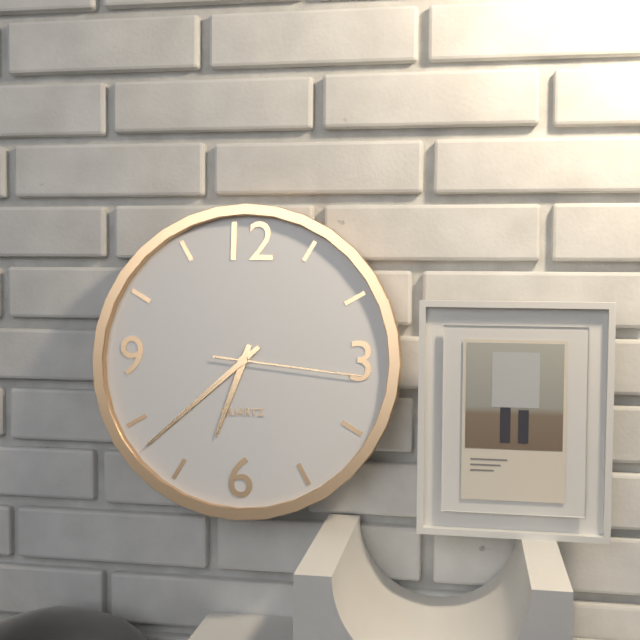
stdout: **6:38:16**
